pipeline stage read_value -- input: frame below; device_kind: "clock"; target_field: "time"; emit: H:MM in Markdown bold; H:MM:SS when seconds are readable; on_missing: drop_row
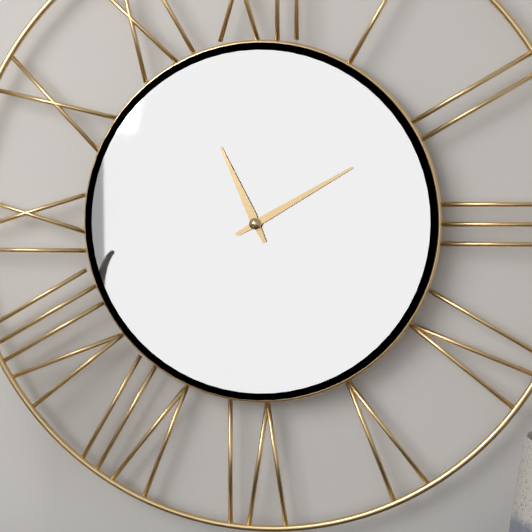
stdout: **11:10**
